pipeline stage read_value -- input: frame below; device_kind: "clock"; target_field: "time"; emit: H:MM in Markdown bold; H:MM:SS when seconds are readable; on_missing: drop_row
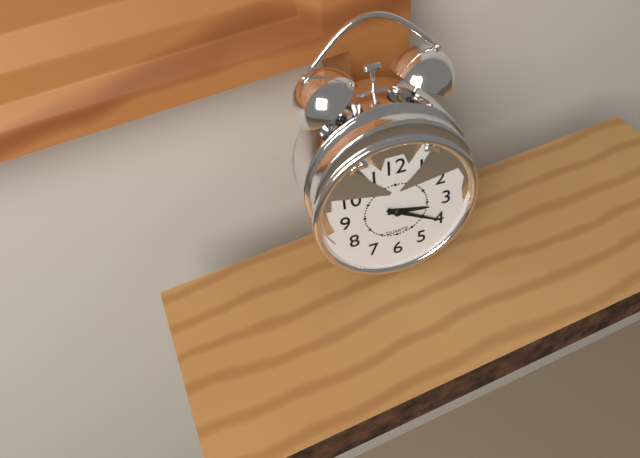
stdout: **3:20**
